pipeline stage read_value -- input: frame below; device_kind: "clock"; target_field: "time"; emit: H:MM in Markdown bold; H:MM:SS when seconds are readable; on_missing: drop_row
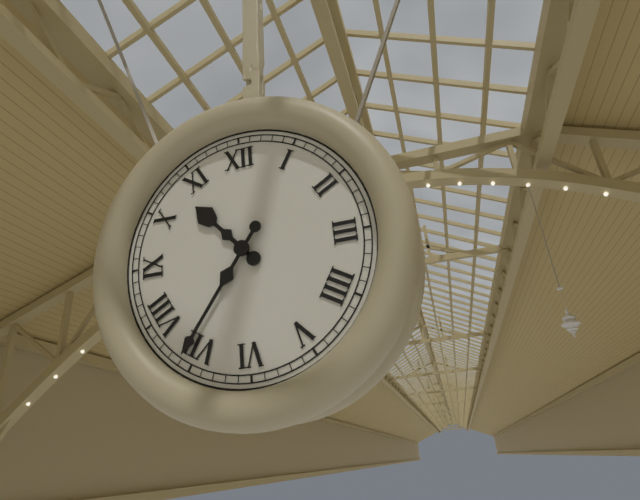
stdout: **10:36**
